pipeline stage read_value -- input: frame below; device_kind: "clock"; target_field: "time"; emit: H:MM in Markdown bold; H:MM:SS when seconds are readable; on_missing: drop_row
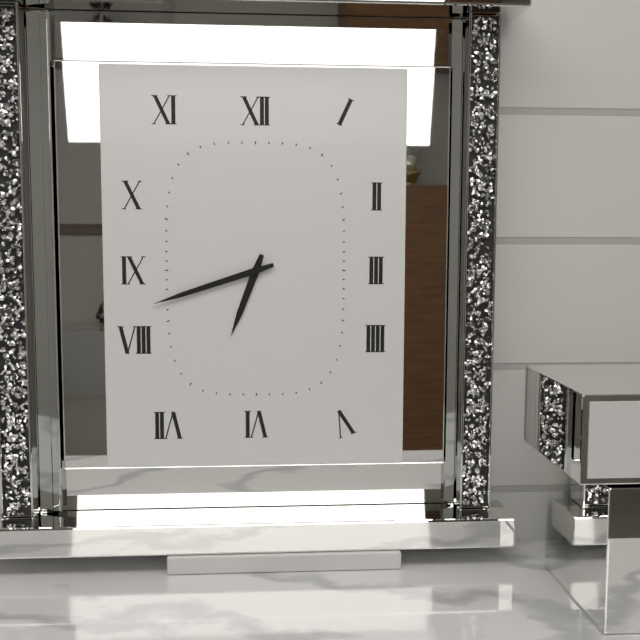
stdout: **6:42**
